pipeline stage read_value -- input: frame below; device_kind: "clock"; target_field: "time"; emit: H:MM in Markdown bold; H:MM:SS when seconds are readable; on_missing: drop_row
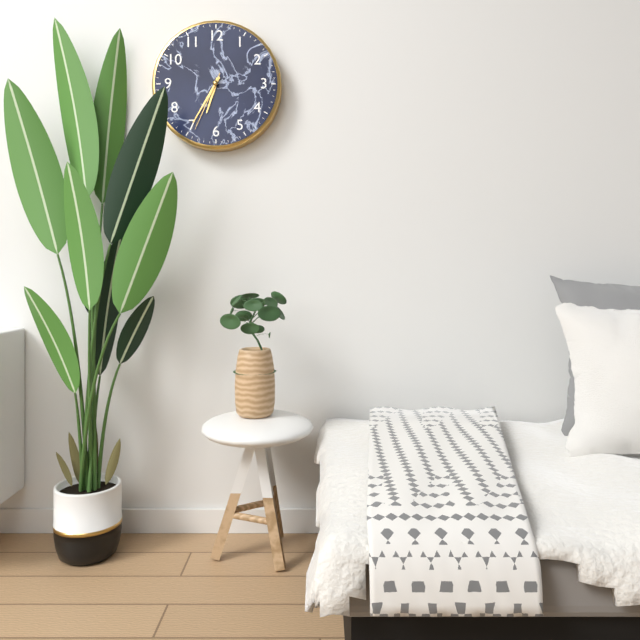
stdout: **6:35:34**
